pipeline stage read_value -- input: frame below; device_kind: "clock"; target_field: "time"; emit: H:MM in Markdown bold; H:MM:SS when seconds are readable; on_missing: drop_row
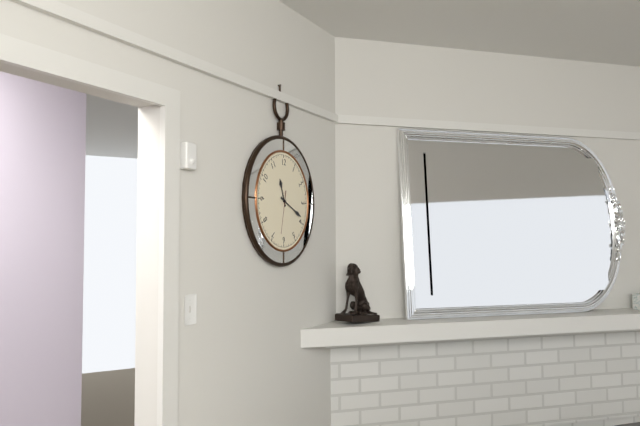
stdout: **11:19**
